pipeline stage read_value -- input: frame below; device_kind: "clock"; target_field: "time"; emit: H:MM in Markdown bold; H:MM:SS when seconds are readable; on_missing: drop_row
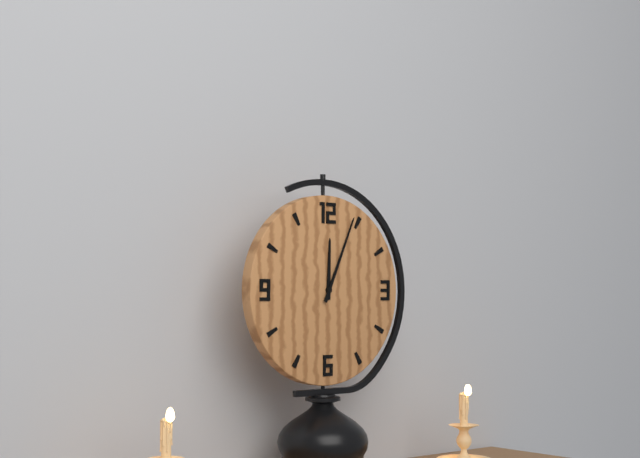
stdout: **12:04**
